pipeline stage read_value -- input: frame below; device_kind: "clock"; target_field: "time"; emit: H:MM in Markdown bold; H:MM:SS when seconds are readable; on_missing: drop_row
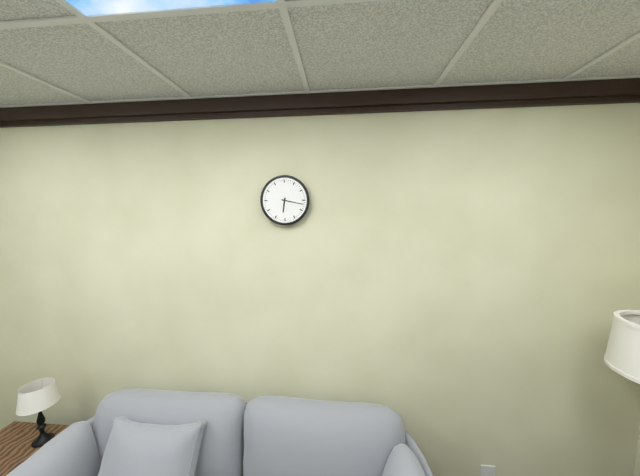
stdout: **6:17**
